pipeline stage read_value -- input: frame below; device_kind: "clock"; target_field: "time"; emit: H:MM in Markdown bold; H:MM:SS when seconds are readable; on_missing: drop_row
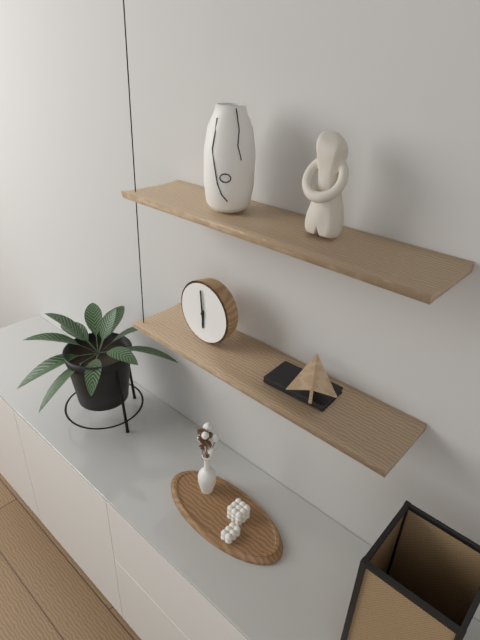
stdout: **5:59**
